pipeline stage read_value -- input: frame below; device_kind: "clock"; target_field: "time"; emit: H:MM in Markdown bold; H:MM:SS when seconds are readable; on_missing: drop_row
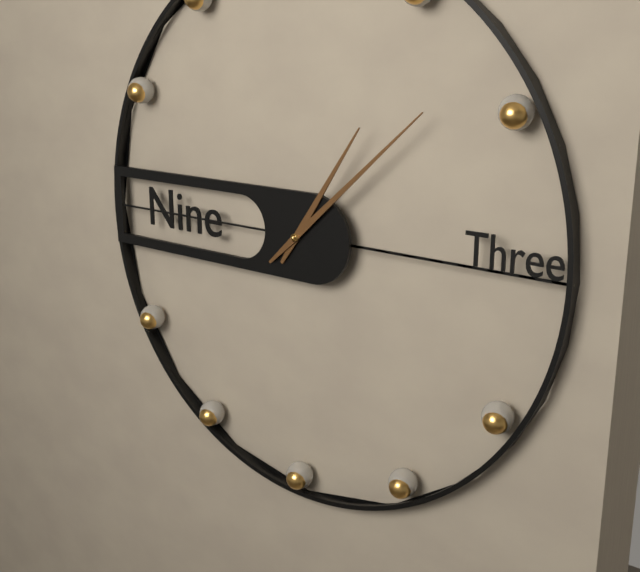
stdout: **1:08**
